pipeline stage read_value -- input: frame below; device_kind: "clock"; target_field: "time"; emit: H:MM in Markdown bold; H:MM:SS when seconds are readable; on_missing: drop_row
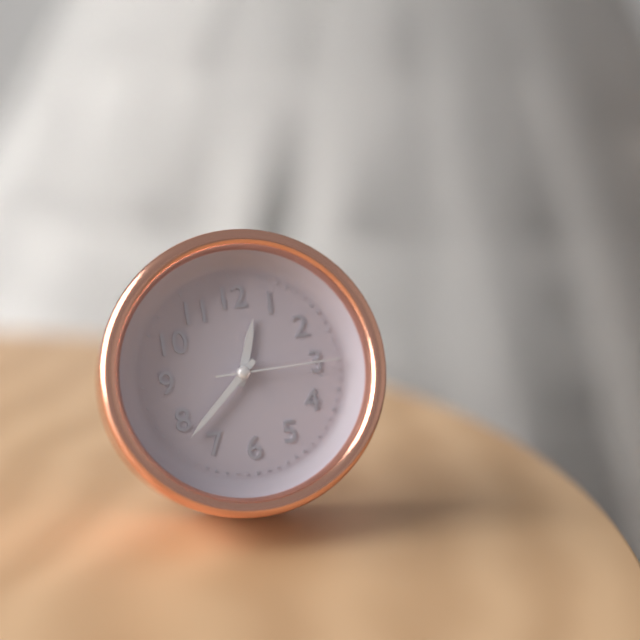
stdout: **12:38:15**
